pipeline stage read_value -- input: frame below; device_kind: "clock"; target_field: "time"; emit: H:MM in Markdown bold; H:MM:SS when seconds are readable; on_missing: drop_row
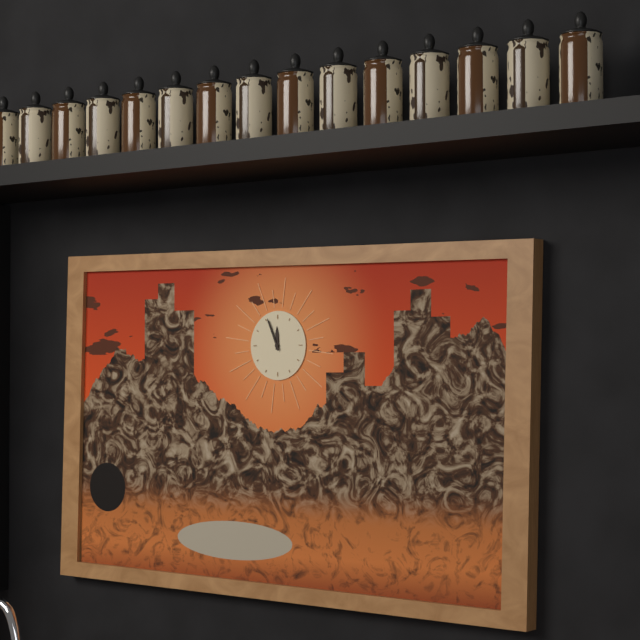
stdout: **11:56**
